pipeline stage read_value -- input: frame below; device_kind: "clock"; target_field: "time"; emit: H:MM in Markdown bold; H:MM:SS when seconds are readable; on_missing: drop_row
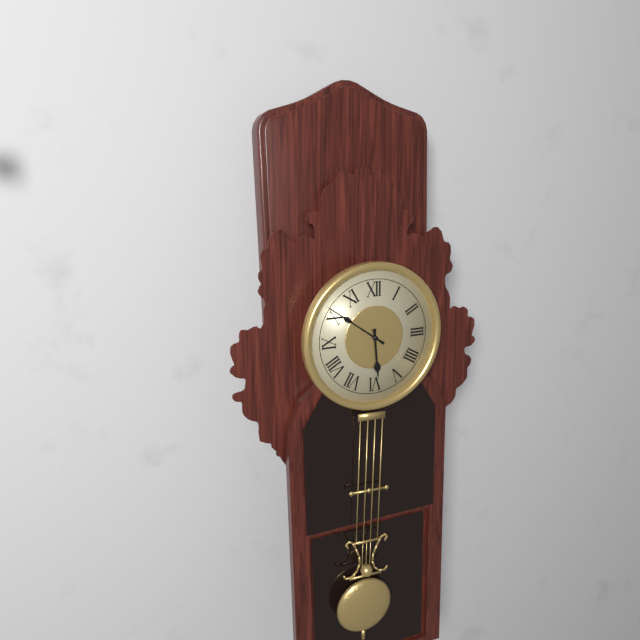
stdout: **5:51**
